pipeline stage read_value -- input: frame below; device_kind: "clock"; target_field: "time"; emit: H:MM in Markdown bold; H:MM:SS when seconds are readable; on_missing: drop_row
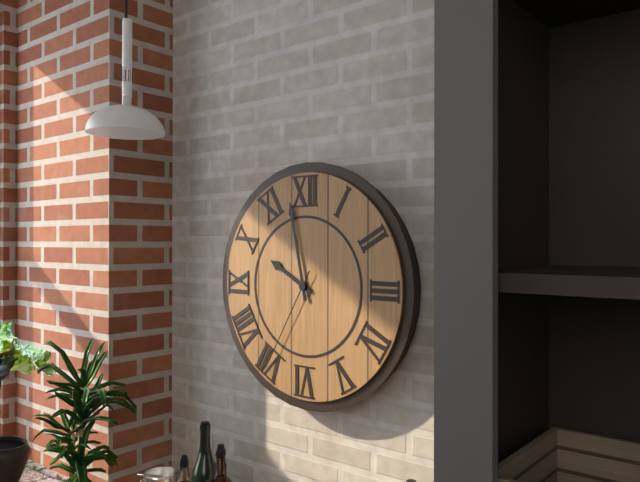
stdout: **9:58:35**
